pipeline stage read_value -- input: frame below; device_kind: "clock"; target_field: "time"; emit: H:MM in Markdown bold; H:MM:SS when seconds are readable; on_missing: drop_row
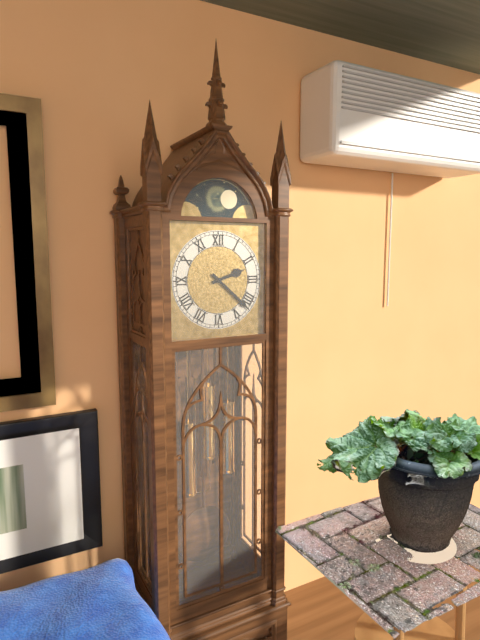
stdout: **2:22**
